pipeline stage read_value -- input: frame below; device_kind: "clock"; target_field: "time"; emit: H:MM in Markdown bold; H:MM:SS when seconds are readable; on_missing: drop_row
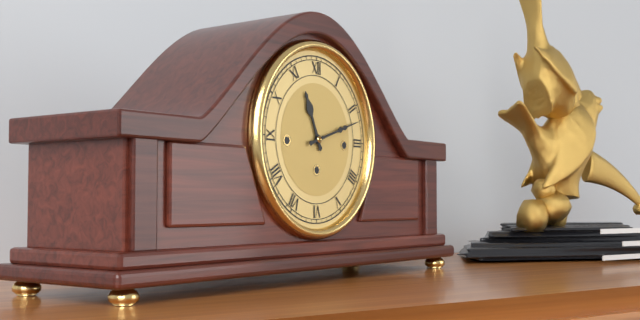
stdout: **11:12**
